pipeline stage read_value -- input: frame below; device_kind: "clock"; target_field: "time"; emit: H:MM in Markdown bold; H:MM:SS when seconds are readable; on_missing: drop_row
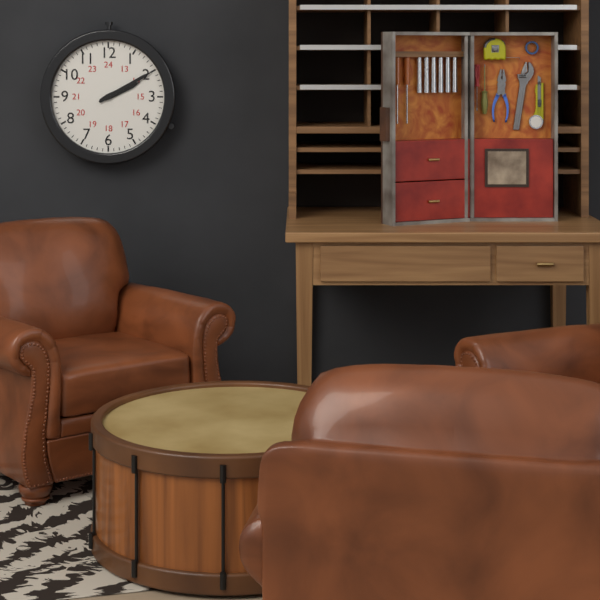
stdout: **2:10**
